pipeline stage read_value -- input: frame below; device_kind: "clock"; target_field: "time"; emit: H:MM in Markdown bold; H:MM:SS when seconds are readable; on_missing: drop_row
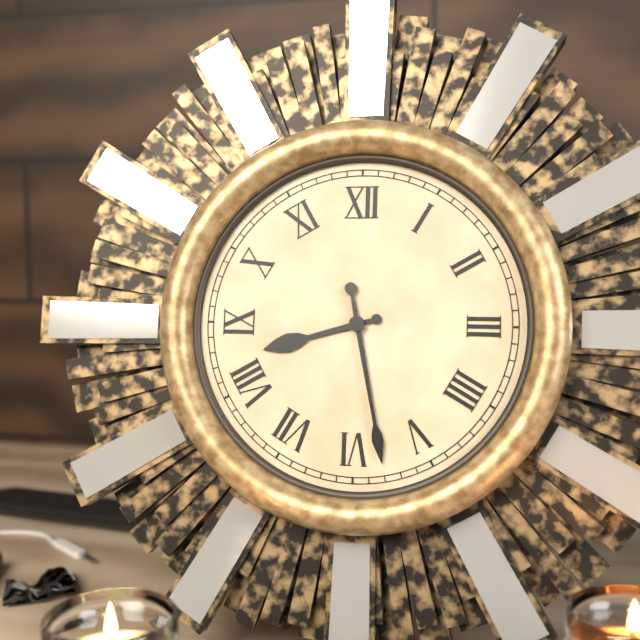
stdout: **8:28**
